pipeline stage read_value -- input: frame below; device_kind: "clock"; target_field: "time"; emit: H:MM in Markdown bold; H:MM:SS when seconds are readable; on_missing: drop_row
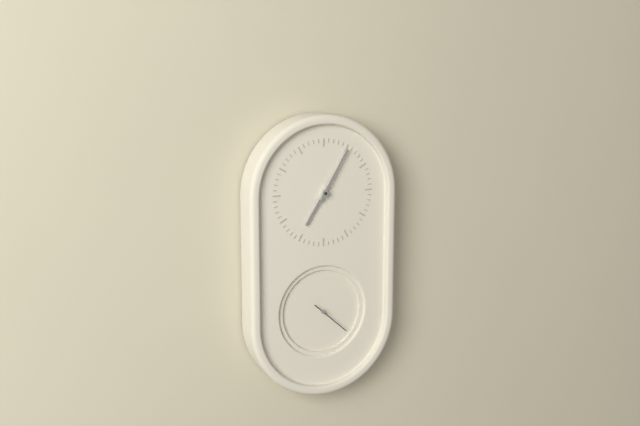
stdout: **7:05:22**
